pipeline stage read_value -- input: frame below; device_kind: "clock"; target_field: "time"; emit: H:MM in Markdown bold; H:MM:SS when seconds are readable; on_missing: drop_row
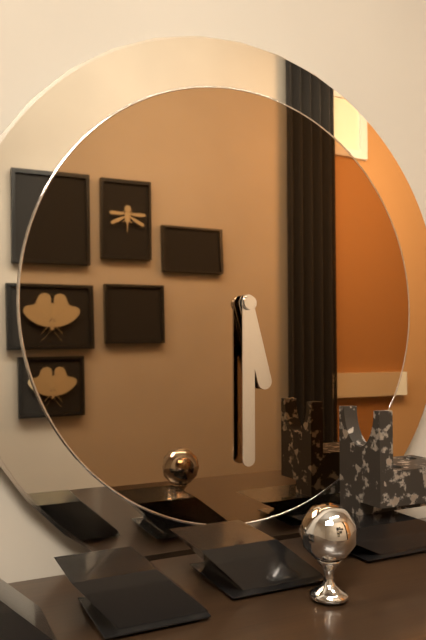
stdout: **5:30**
